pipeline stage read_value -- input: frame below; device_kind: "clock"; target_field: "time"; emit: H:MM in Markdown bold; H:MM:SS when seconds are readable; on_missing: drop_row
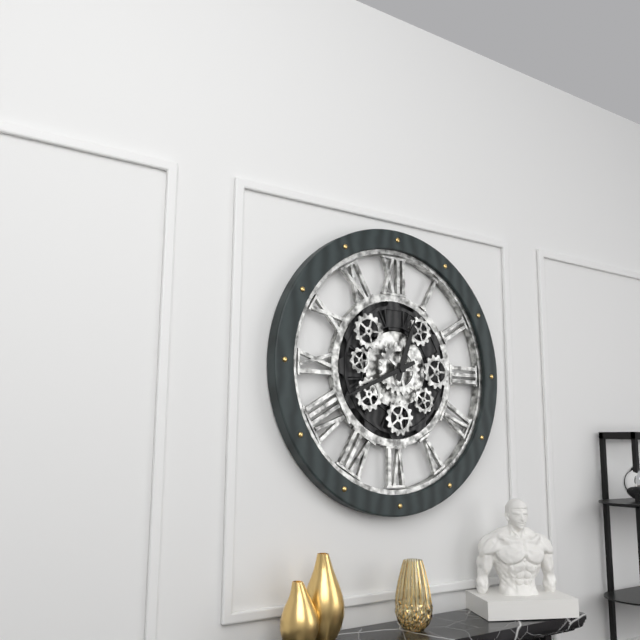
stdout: **12:41**
